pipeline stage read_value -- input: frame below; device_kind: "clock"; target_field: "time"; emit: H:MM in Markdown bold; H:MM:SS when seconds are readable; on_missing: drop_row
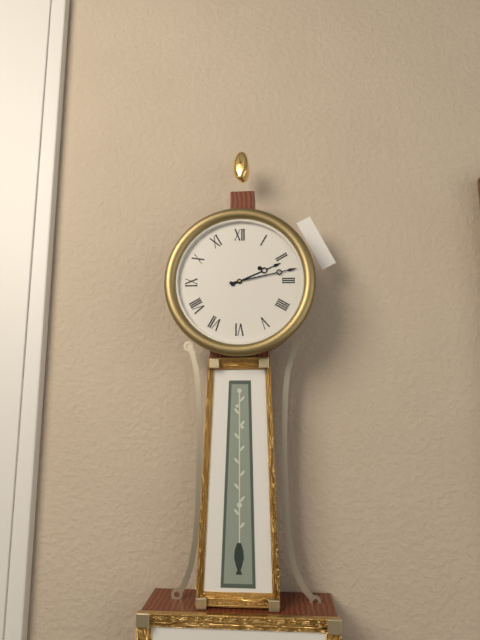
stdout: **2:13**
